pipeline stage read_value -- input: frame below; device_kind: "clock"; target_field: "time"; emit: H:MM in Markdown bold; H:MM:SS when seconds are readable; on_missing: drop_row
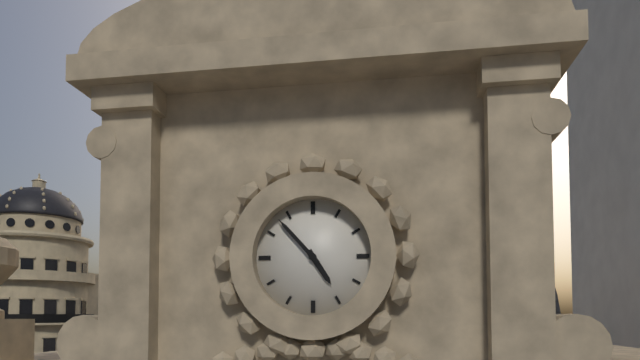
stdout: **4:53**
